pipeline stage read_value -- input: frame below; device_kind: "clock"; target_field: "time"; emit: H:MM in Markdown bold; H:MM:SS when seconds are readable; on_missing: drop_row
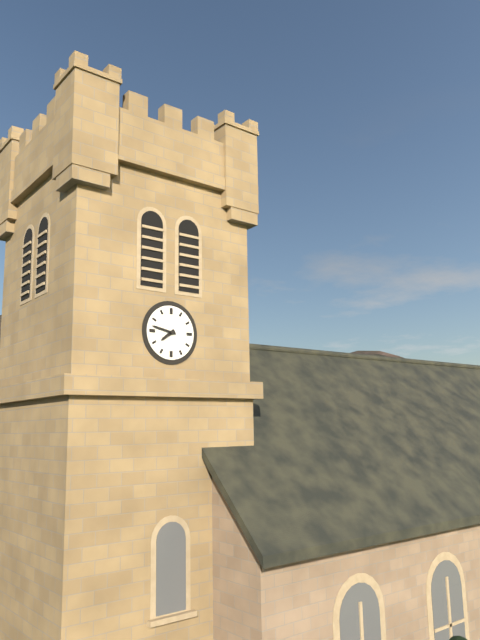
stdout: **7:47**
